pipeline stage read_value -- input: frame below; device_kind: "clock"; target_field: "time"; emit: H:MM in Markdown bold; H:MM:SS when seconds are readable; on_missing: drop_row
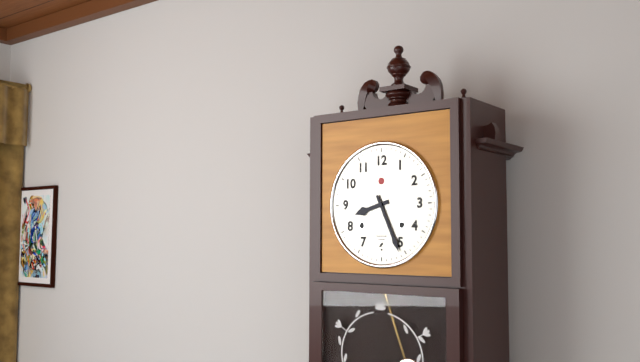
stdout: **8:26**
